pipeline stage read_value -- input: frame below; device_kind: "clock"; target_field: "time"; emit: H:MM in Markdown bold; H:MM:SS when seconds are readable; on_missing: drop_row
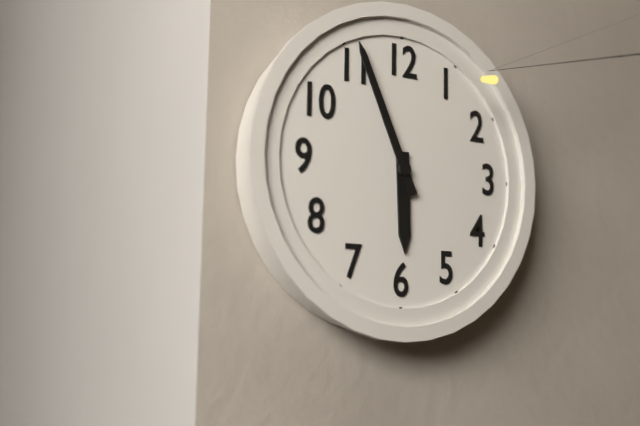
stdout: **5:56**
